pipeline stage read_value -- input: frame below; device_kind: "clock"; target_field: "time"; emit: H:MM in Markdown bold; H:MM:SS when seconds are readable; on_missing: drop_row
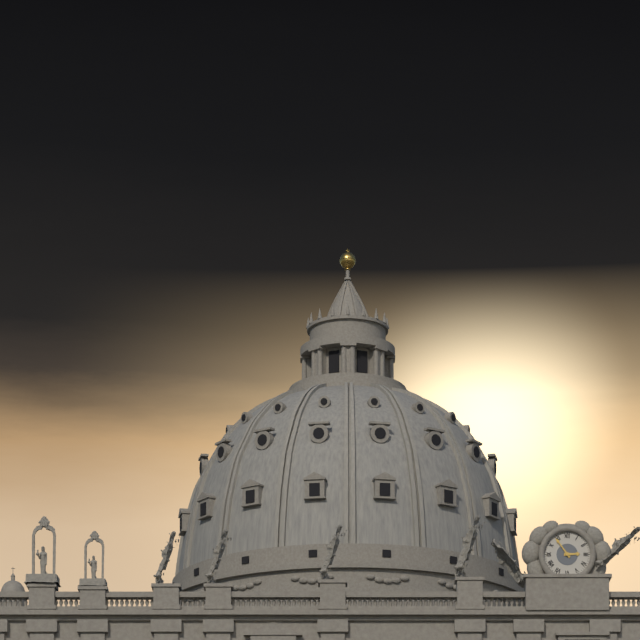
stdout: **2:54**
